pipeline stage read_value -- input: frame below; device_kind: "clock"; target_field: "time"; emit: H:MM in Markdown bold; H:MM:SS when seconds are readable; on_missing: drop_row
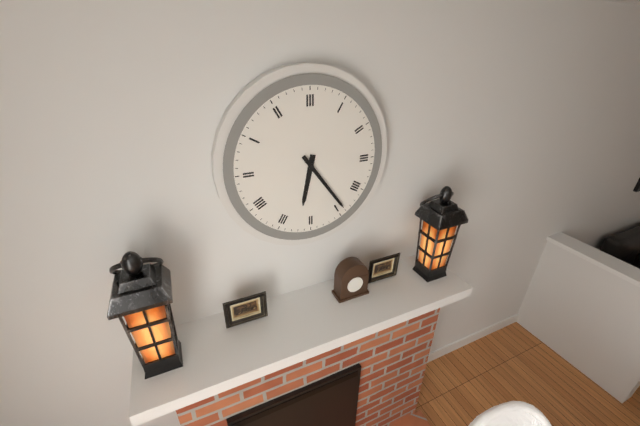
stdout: **6:24**
